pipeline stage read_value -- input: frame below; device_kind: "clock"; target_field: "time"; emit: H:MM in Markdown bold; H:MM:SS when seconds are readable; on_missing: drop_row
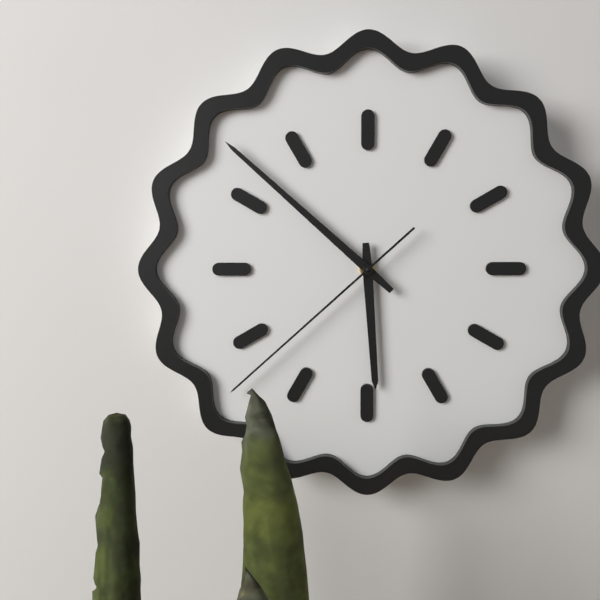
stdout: **5:52:38**
